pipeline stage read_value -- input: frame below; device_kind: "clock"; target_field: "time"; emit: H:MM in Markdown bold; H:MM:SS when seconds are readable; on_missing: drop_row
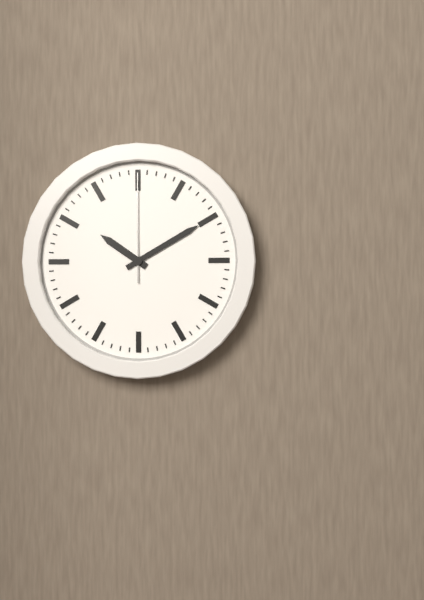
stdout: **10:10:00**
